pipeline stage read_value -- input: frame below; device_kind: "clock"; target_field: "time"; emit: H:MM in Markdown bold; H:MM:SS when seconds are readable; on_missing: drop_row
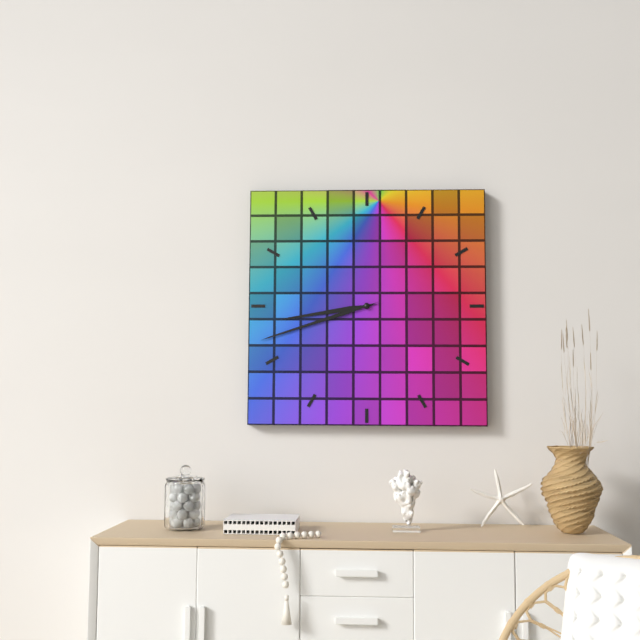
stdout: **8:42**
